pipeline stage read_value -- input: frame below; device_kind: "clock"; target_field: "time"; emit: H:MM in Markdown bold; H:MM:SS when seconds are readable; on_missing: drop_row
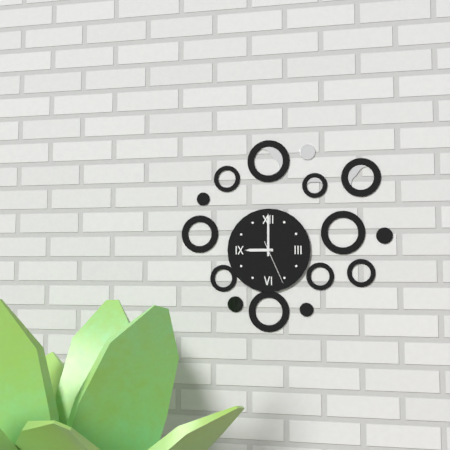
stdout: **9:00**
